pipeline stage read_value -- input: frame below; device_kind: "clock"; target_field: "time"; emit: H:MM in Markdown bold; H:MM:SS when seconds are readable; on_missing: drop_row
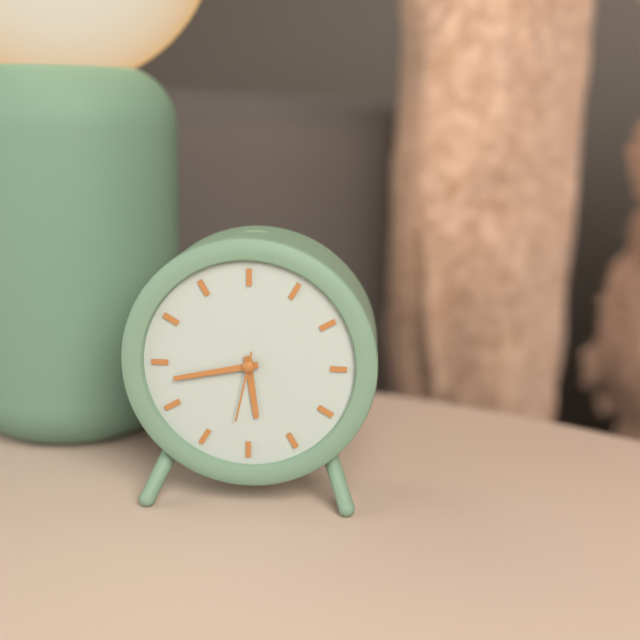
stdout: **5:43:32**
